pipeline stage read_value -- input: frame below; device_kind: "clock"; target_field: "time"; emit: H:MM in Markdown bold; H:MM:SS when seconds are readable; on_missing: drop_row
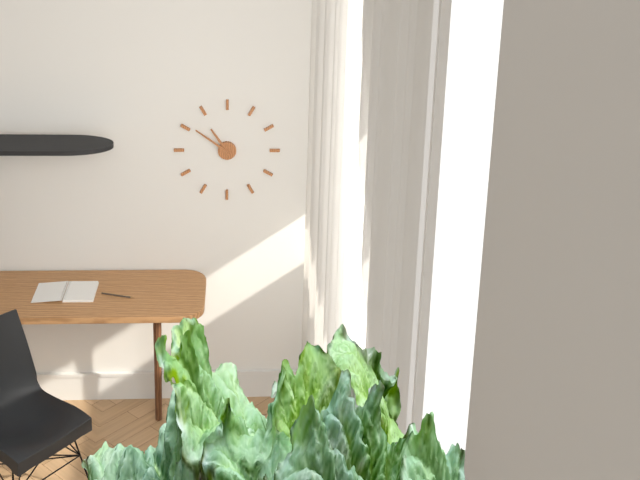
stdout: **10:51**
